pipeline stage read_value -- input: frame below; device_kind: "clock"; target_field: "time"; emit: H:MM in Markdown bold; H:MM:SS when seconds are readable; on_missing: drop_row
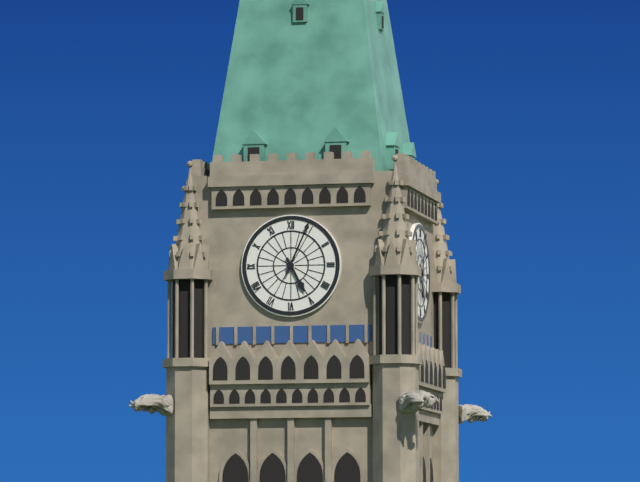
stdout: **5:04**
